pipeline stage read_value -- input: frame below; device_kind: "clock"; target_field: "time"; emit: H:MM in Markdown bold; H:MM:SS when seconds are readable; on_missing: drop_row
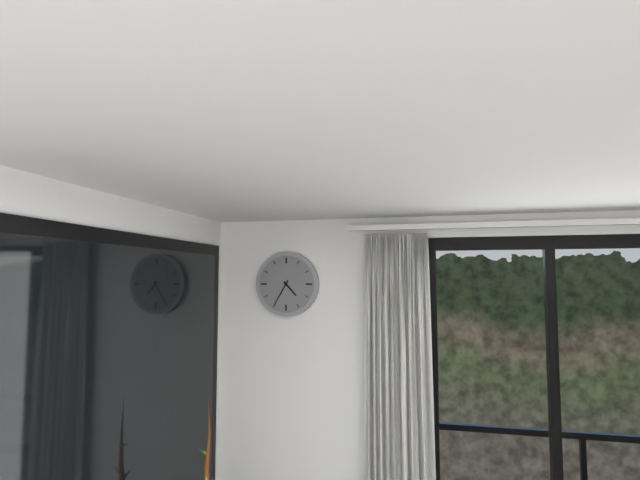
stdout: **4:35**
